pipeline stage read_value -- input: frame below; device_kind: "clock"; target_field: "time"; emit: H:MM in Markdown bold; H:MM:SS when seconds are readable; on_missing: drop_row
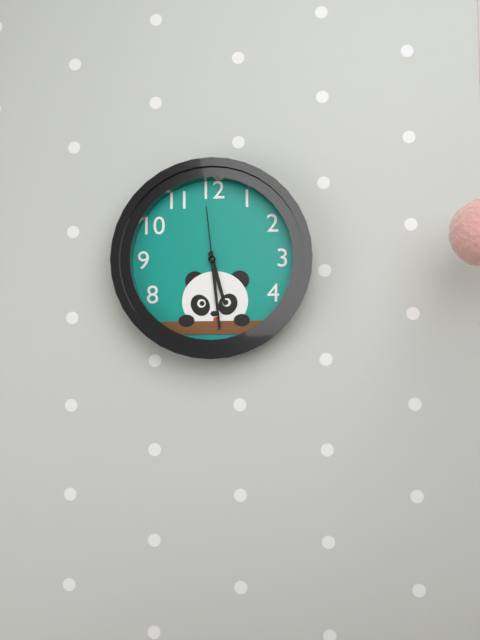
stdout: **5:29:59**
